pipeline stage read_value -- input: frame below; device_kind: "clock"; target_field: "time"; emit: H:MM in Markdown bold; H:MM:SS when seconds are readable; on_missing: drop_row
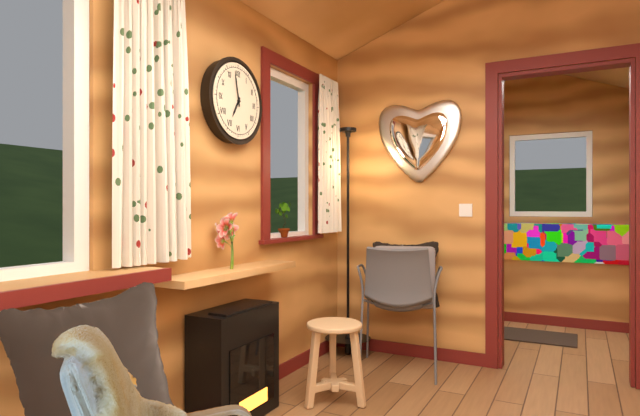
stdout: **6:58**
